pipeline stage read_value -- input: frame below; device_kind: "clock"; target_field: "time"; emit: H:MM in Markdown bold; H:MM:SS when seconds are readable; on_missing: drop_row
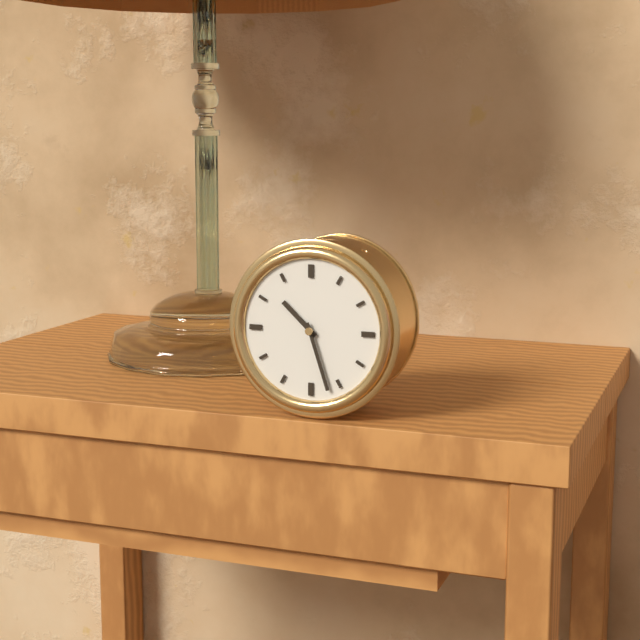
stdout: **10:27**
